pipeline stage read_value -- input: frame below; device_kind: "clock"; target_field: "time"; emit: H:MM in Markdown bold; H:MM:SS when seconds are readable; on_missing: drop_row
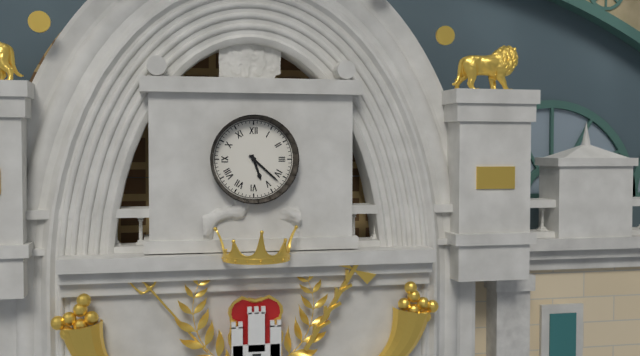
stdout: **5:22**
